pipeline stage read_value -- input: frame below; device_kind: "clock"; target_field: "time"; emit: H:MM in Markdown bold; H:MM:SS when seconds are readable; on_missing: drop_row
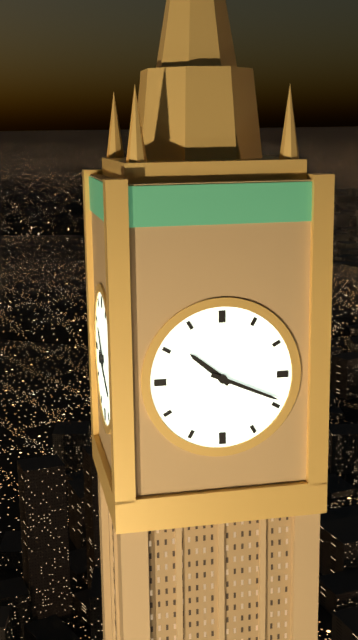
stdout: **10:19**
